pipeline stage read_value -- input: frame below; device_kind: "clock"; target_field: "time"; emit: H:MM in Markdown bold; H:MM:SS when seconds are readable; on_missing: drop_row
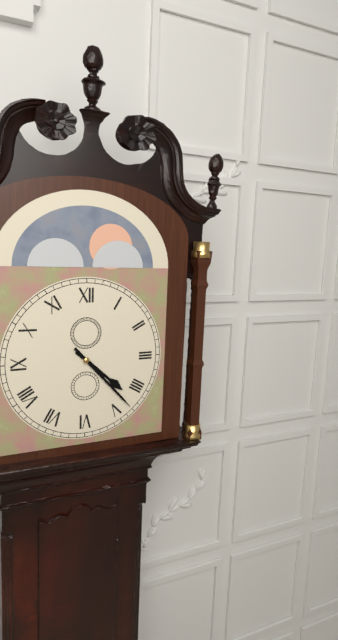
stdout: **4:23**
